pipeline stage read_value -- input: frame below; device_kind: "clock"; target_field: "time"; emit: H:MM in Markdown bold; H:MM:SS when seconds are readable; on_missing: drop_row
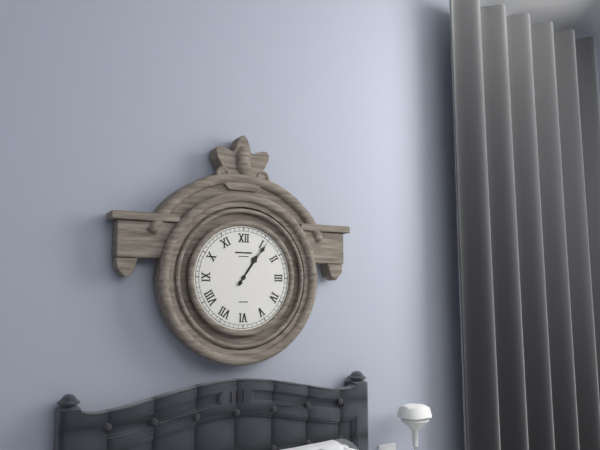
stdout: **1:06**
